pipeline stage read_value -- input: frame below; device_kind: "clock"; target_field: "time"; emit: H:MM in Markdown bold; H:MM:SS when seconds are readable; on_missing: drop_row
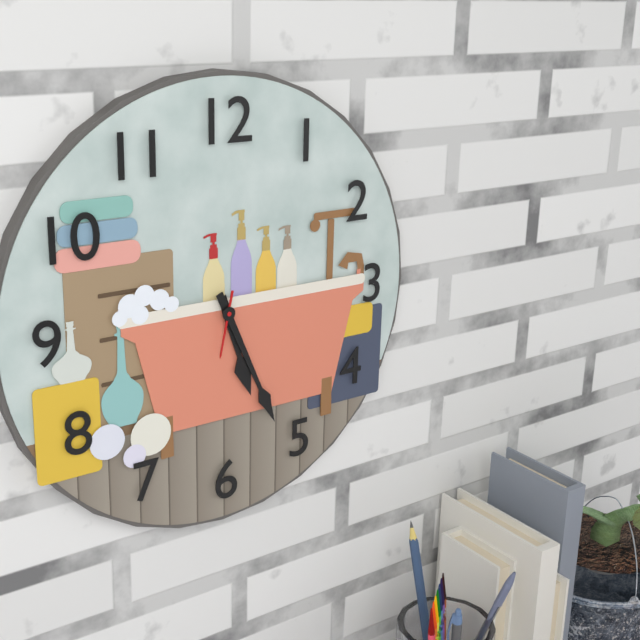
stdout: **5:26:32**
